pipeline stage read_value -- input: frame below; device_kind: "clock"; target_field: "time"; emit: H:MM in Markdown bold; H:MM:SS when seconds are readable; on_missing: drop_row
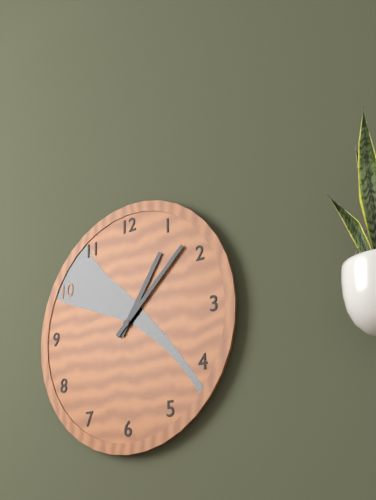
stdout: **1:08**
